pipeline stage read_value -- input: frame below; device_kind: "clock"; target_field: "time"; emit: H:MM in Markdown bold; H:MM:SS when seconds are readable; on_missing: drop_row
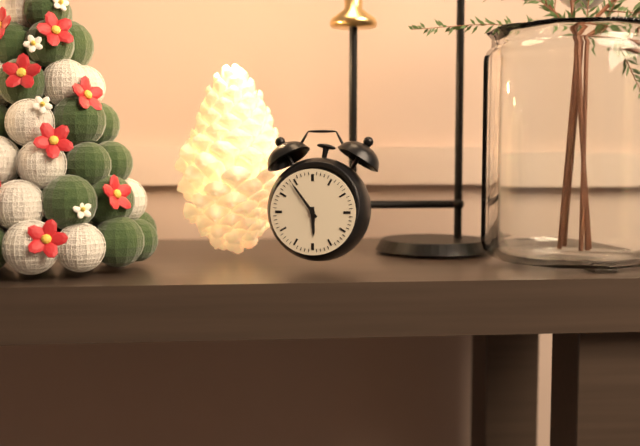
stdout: **5:54**
